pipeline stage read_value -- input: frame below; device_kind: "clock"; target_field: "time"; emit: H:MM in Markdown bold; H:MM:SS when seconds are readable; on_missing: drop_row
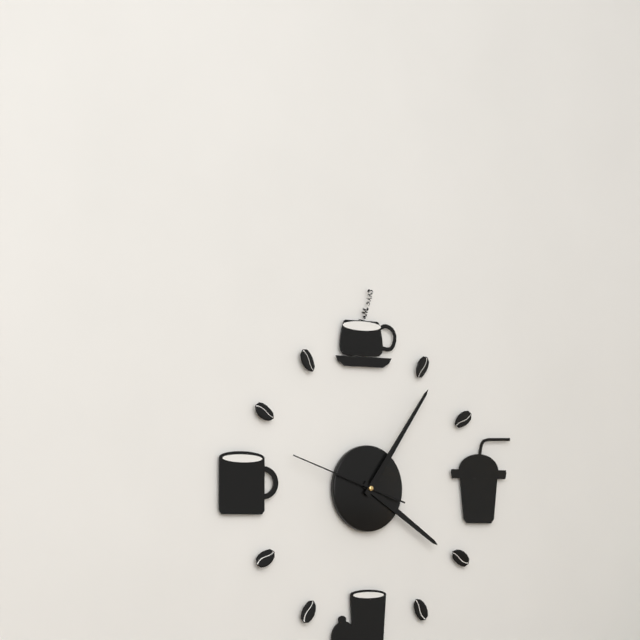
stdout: **4:06:48**
